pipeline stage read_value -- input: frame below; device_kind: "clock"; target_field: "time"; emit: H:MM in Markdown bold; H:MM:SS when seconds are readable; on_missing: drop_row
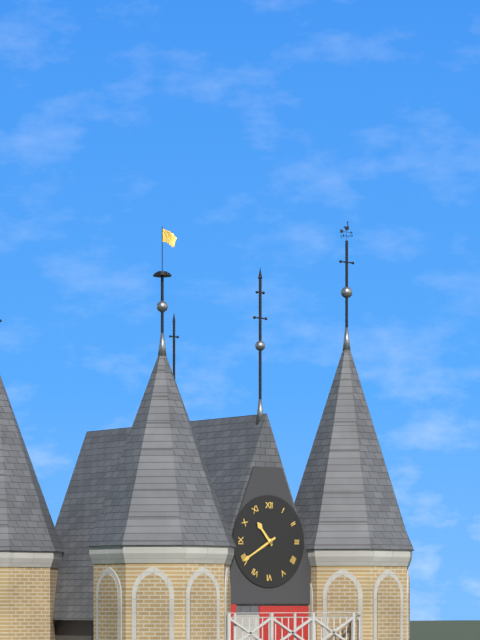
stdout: **10:40**
